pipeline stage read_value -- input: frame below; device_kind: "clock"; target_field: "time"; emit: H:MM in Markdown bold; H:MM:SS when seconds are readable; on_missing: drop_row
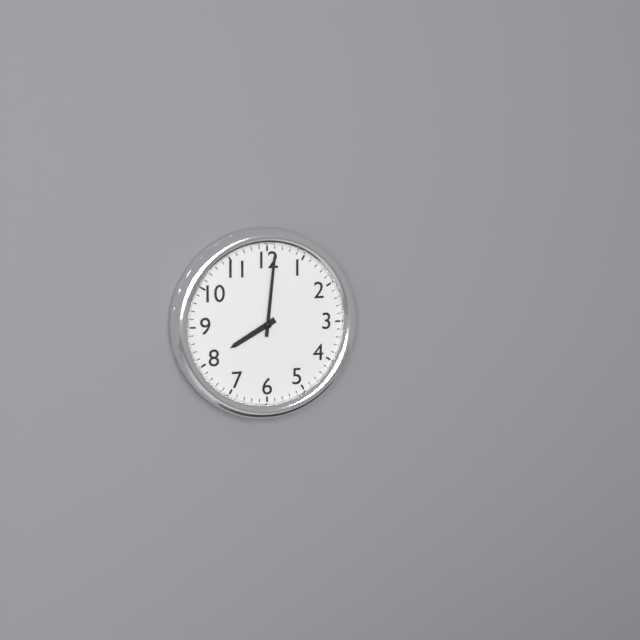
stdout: **8:01**
